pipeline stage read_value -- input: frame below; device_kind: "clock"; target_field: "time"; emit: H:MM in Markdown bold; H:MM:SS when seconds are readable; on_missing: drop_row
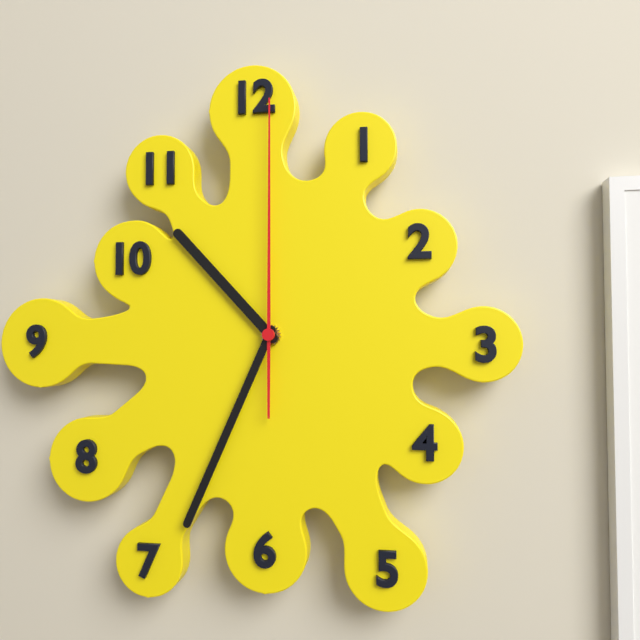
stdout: **10:34:00**
